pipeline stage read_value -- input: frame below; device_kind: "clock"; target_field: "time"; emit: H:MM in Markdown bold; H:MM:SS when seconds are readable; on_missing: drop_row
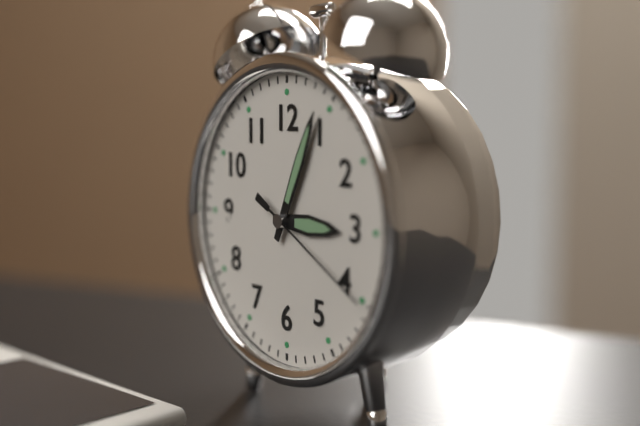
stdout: **3:04:20**
